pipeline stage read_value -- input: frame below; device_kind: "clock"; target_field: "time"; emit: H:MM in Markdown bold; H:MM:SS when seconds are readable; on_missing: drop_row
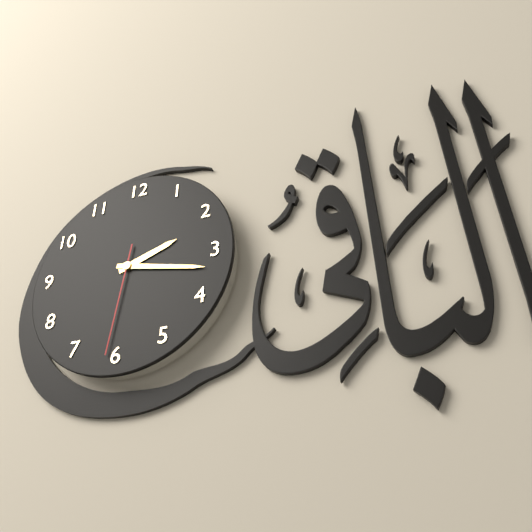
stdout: **2:17:31**
